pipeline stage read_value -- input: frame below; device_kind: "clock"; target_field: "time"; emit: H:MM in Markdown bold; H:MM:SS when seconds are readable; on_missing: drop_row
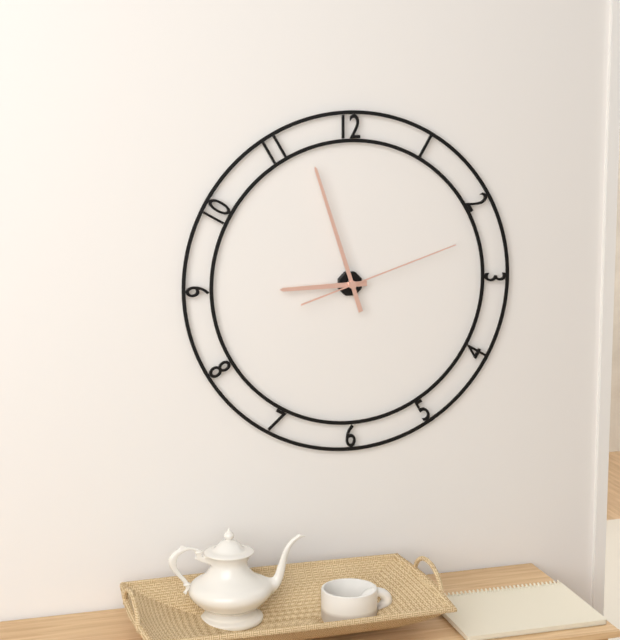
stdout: **8:57:12**
